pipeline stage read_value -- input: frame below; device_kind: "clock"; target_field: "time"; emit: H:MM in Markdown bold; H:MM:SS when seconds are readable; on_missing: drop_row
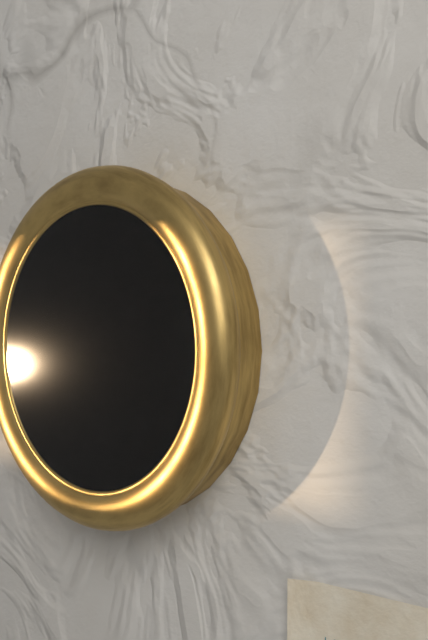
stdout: **12:17:56**
